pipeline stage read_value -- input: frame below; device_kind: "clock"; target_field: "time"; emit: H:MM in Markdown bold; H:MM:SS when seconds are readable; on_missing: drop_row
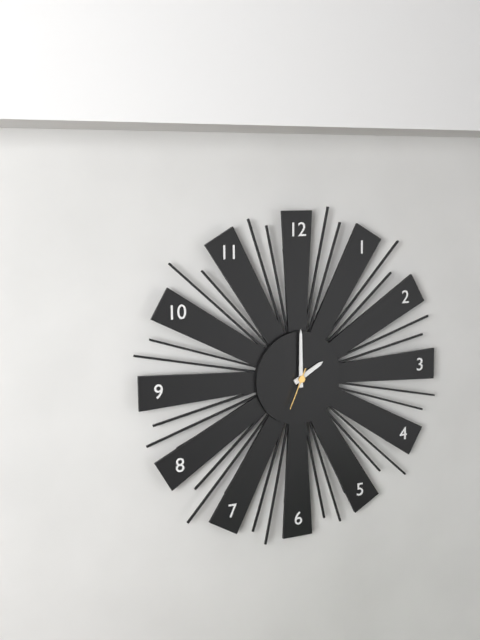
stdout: **2:00**
